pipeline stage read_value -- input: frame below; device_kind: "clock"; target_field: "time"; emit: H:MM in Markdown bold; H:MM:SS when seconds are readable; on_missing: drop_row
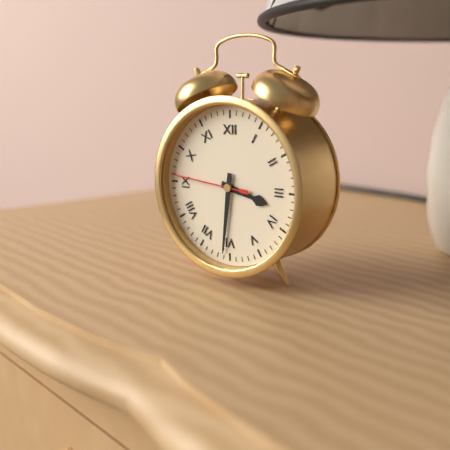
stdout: **3:31:46**
